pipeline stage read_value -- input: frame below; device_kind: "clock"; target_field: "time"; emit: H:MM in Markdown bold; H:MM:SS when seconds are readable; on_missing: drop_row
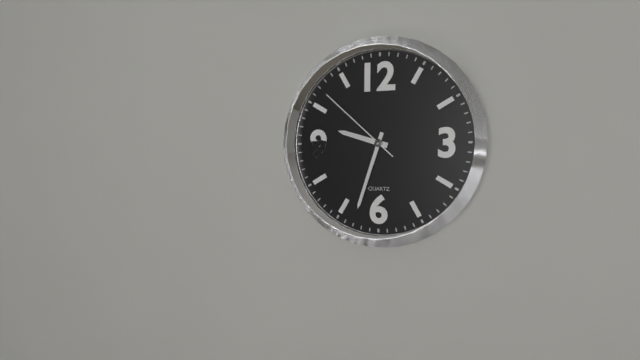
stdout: **9:33:52**
